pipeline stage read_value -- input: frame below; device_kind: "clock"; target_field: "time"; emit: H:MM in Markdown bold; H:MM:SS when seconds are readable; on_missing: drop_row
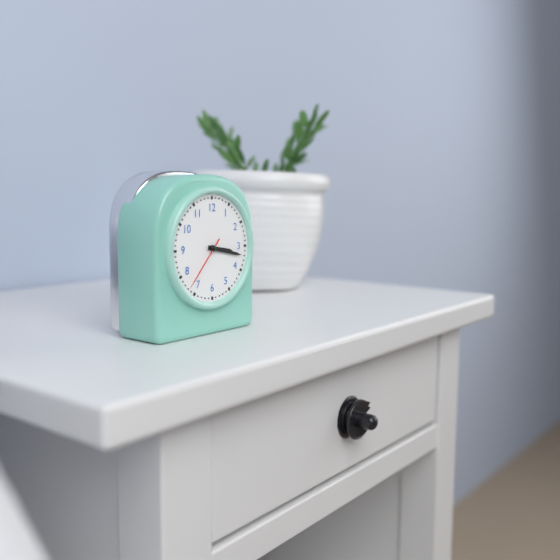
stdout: **3:17:37**
